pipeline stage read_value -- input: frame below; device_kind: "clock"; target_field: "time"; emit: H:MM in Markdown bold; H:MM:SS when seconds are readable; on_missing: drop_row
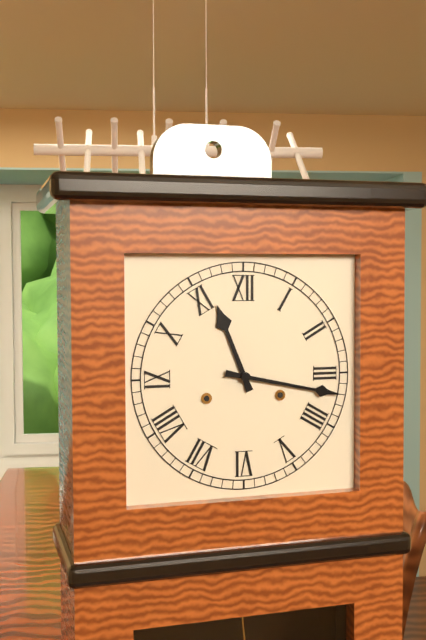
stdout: **11:17**
